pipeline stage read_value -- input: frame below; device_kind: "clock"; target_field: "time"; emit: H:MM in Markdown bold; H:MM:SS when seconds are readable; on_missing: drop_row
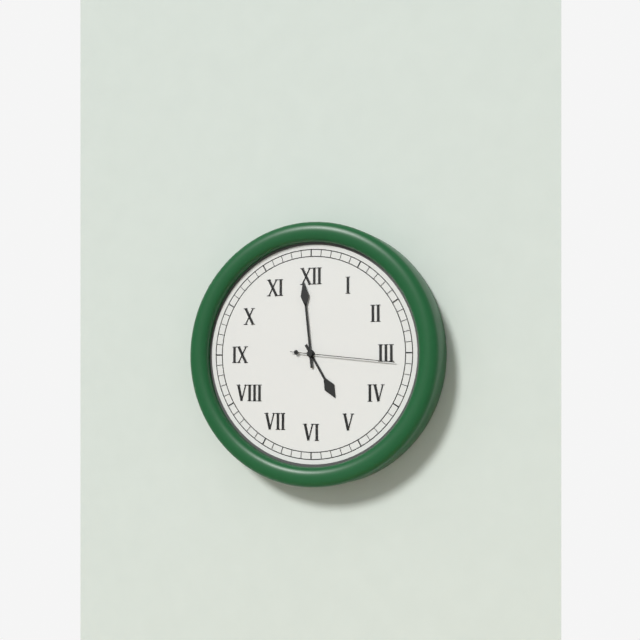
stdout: **4:59:16**
